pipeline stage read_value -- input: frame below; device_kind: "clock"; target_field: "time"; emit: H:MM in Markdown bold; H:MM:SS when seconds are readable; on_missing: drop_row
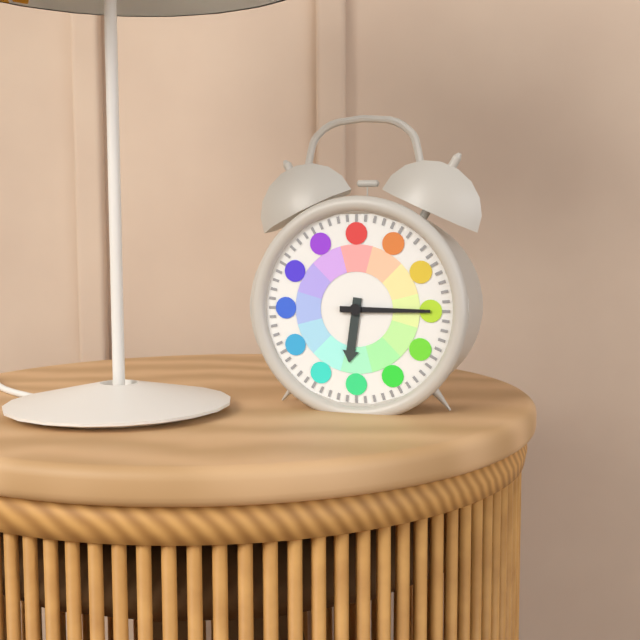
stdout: **6:15**
